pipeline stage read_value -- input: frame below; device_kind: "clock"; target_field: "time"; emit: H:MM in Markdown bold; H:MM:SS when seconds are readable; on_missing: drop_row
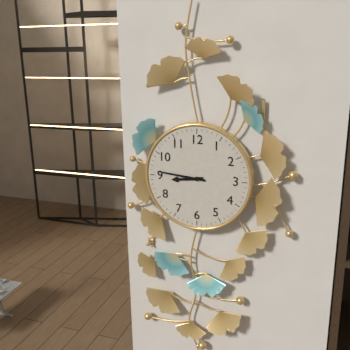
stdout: **8:46**
